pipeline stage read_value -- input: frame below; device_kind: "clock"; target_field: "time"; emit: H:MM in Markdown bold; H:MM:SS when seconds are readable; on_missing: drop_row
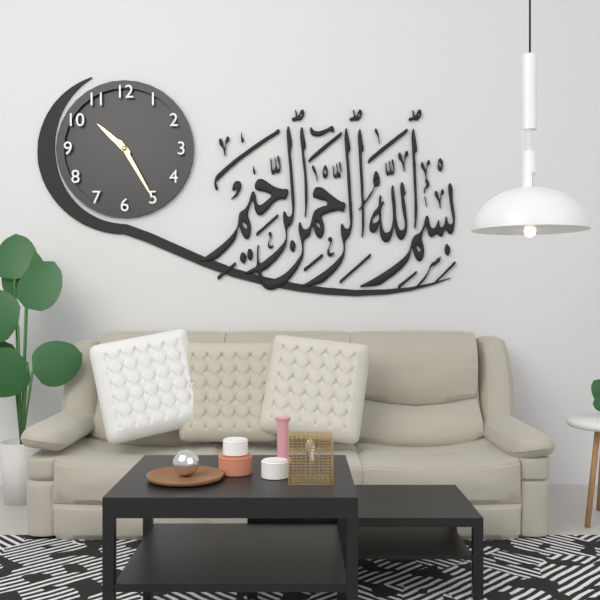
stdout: **10:25**
